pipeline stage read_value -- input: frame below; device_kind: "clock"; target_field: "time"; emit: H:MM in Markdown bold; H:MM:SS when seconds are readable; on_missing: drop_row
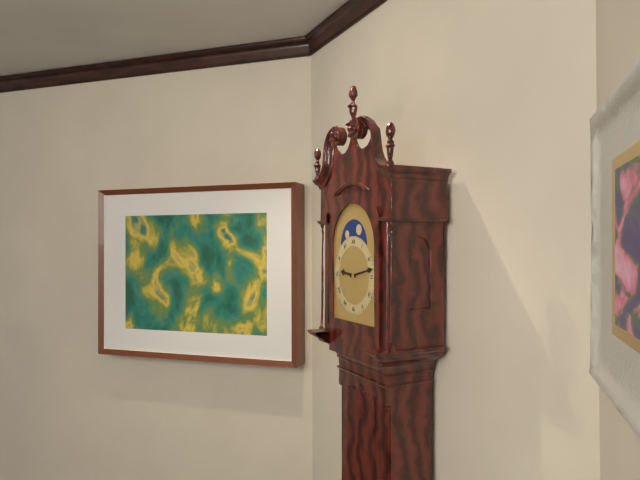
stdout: **9:13**
